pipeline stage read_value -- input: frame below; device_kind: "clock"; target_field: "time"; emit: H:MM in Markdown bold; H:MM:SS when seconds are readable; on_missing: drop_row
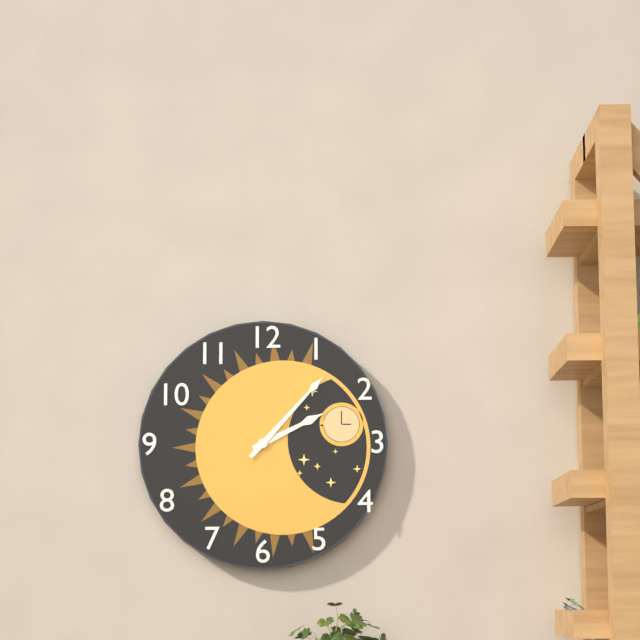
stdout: **2:07**
